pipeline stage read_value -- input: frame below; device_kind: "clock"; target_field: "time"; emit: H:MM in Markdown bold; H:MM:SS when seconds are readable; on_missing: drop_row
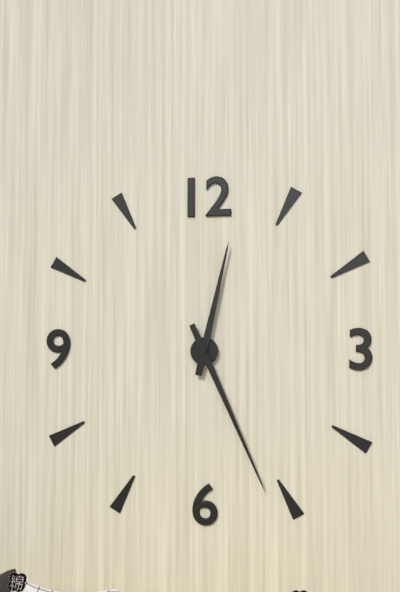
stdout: **12:26**
